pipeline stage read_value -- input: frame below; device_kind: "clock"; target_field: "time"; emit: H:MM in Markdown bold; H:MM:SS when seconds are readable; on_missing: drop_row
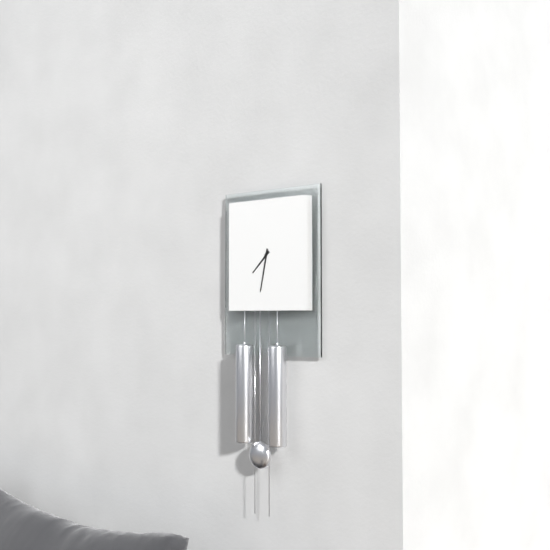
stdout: **7:32**
